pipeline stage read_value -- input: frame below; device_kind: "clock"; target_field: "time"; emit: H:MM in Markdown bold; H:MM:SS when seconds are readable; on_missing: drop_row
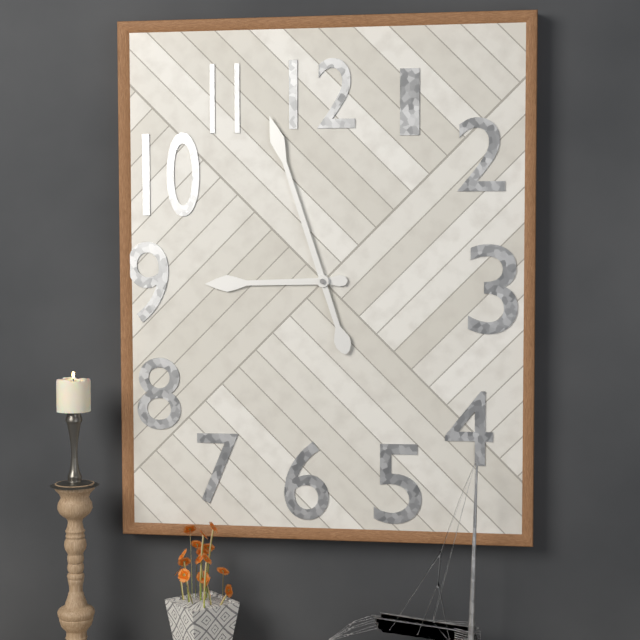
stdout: **8:57**
